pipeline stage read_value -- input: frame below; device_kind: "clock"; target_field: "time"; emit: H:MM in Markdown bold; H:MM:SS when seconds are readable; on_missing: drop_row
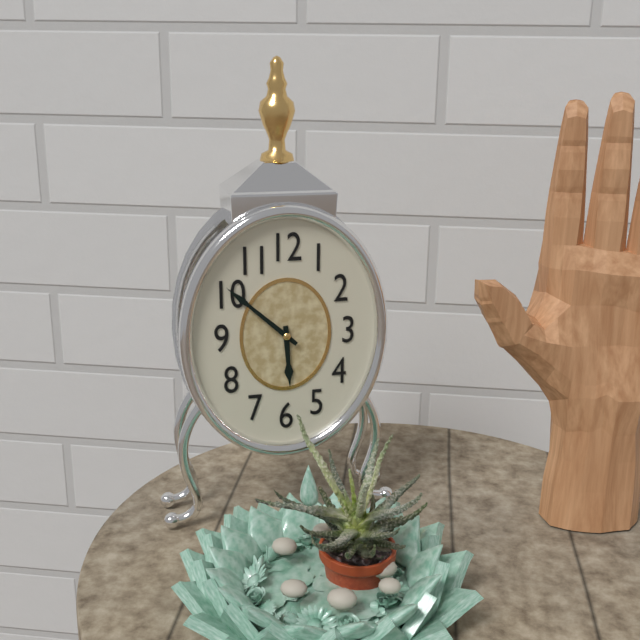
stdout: **5:52**
